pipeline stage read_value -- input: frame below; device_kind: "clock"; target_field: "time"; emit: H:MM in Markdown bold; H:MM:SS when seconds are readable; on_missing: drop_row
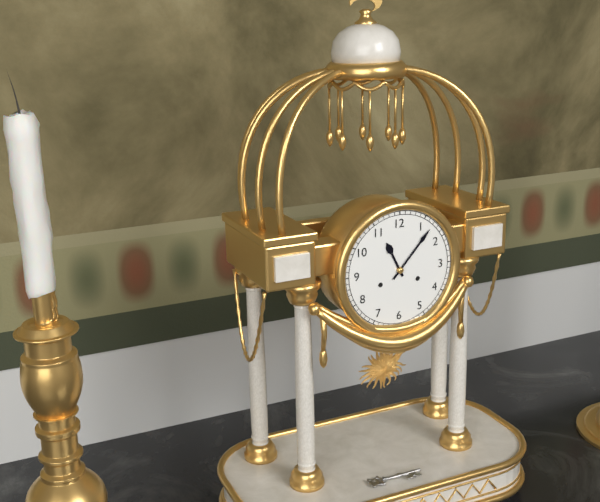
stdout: **11:07**
